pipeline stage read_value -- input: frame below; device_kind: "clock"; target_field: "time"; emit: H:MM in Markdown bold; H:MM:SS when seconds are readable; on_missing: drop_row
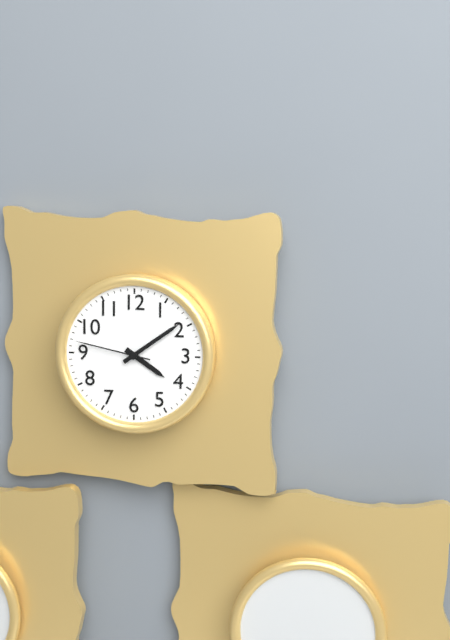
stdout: **4:09:47**
